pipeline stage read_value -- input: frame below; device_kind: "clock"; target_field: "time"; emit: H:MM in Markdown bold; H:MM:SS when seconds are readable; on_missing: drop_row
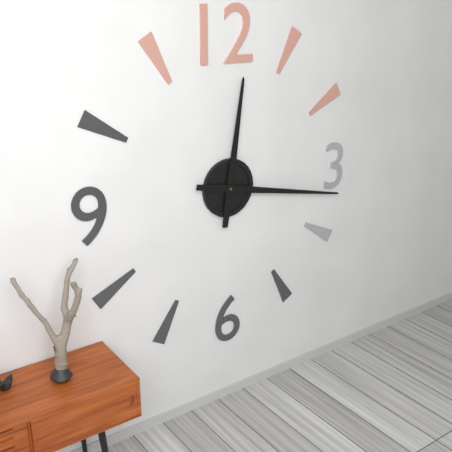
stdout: **12:17**
